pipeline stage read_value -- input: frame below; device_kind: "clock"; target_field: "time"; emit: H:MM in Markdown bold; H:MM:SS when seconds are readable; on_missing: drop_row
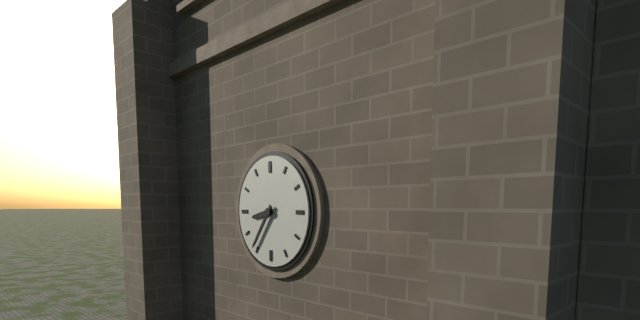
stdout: **8:36**
